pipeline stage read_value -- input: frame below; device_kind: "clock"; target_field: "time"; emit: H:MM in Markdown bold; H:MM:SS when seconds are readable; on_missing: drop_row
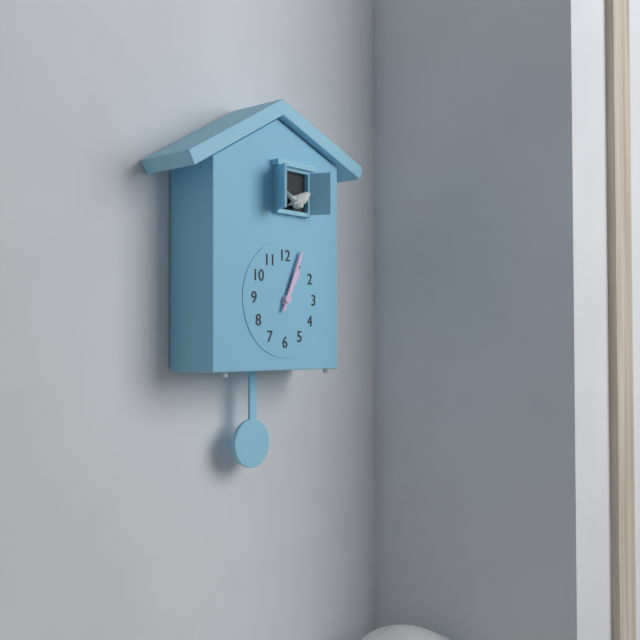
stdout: **1:04**
